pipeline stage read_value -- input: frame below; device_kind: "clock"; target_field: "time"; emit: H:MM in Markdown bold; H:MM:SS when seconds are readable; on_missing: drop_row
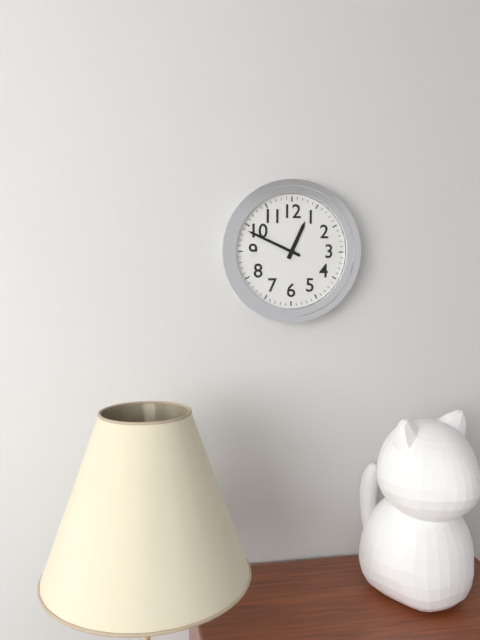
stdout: **12:49**
